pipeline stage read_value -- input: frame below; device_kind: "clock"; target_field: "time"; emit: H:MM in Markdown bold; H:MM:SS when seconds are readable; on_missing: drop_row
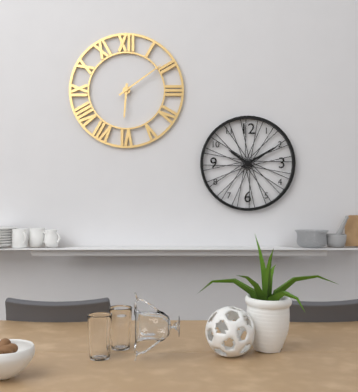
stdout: **6:09**
